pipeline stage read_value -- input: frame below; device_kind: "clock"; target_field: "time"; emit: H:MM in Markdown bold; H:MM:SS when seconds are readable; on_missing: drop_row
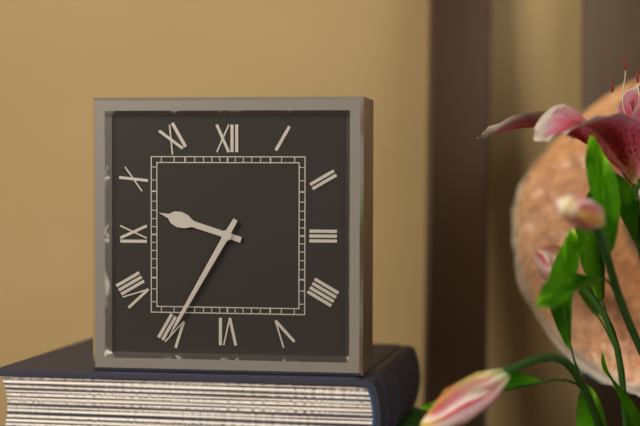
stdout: **9:35**
